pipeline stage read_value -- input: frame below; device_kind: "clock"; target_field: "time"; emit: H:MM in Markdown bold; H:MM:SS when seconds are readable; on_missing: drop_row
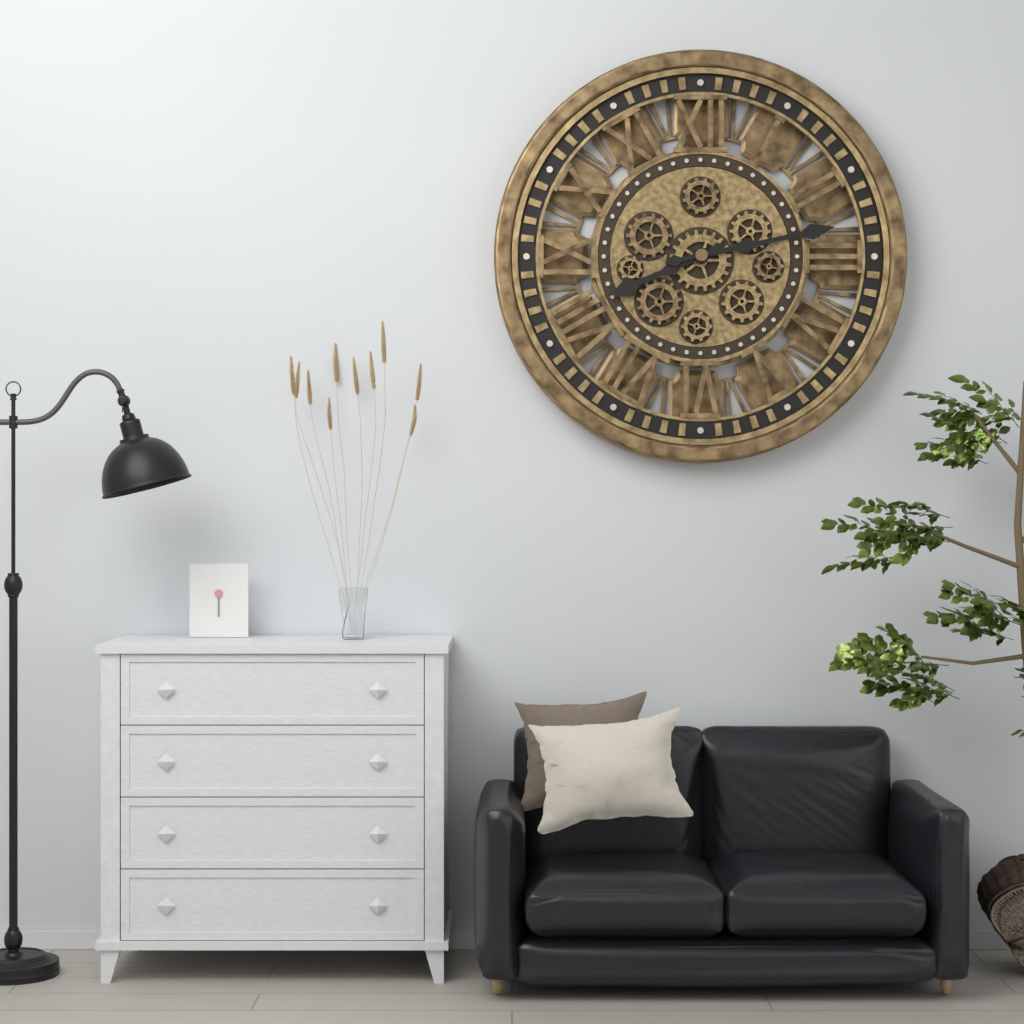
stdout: **8:13**
